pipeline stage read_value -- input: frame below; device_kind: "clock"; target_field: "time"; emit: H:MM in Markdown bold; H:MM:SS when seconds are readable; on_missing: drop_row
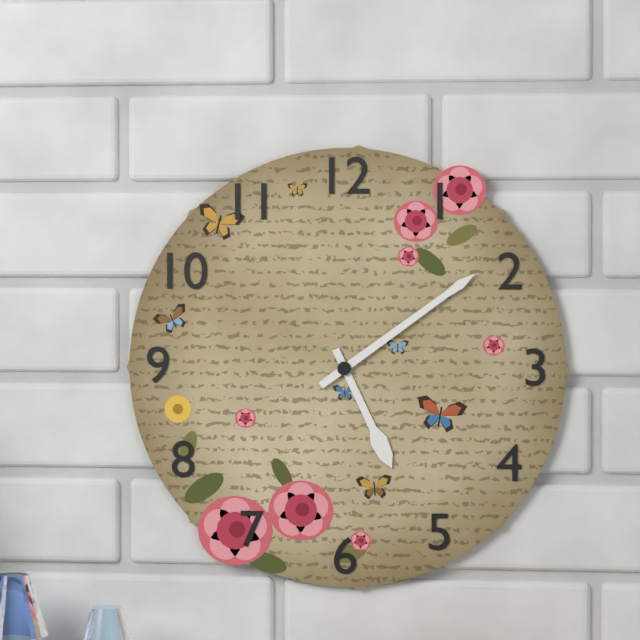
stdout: **5:09**
